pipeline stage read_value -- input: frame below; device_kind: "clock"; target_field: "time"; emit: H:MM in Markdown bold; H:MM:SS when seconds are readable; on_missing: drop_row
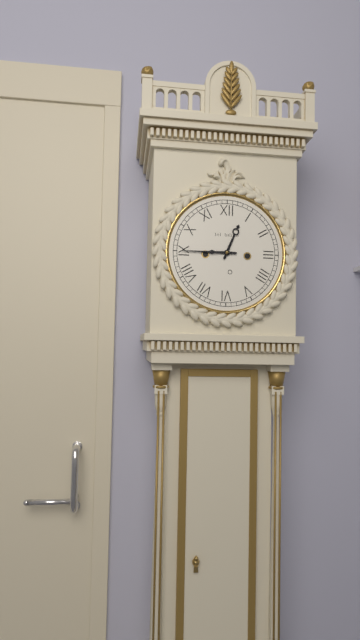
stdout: **12:45**
